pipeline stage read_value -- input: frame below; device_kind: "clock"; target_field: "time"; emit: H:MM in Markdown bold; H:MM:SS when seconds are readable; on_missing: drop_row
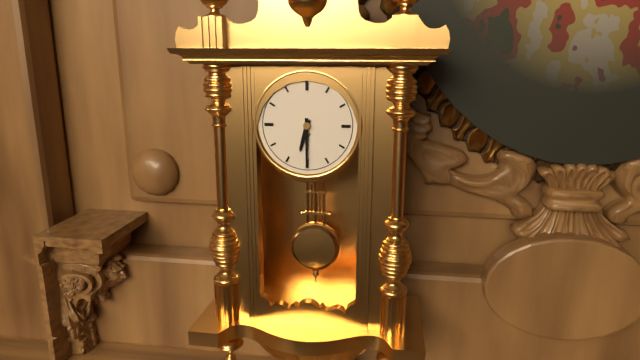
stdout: **6:30**
